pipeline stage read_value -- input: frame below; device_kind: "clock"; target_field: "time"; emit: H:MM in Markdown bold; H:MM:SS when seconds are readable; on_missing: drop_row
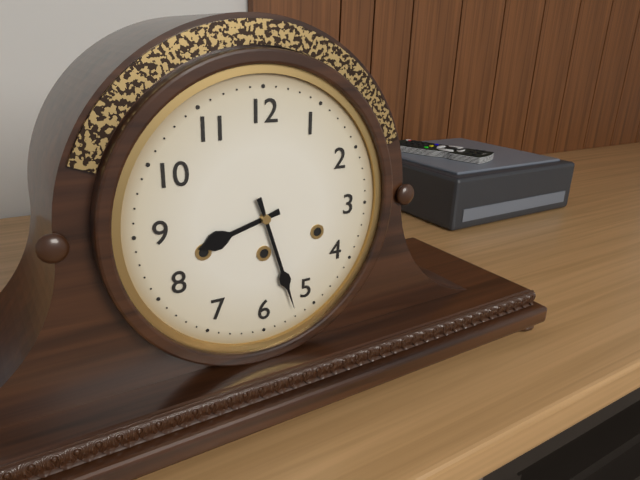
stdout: **8:27**
